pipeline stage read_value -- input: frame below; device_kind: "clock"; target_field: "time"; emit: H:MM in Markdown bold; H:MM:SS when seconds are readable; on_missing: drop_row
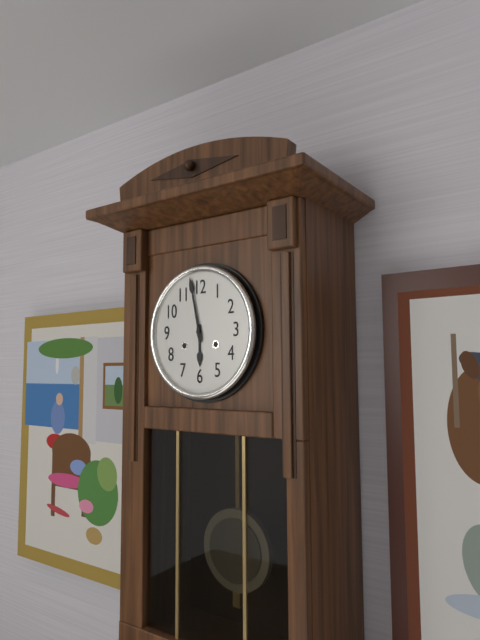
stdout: **5:58**
